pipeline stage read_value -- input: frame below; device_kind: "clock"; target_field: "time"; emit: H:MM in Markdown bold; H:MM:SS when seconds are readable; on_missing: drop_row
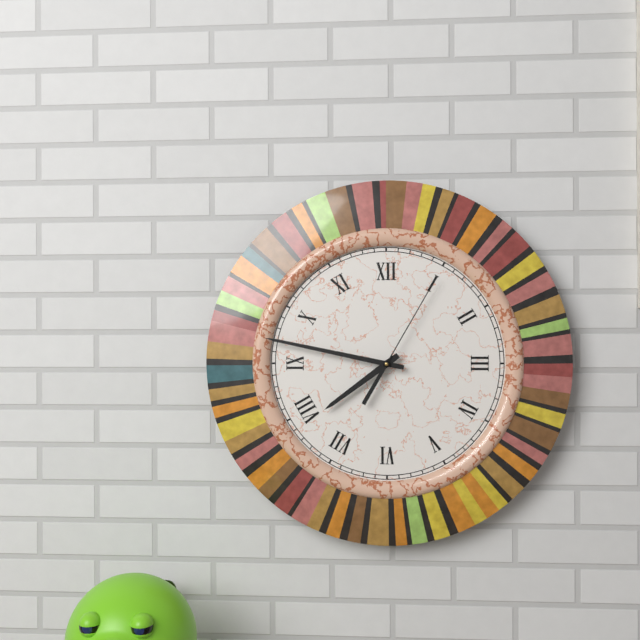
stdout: **7:47:05**
